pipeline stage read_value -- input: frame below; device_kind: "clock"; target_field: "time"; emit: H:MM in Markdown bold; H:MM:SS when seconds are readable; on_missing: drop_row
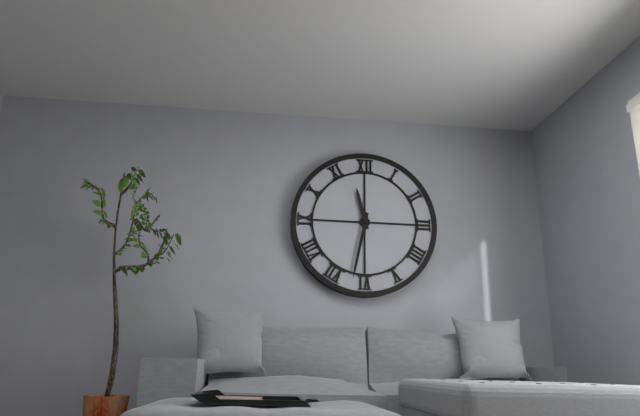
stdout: **11:32**
